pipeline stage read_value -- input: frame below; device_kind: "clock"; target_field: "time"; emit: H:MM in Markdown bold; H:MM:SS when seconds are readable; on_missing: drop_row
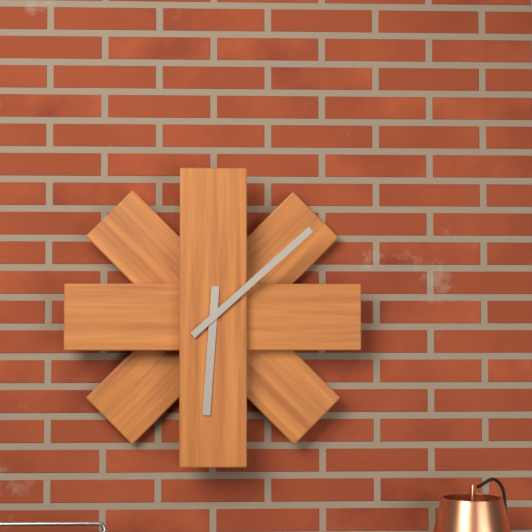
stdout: **6:08**
